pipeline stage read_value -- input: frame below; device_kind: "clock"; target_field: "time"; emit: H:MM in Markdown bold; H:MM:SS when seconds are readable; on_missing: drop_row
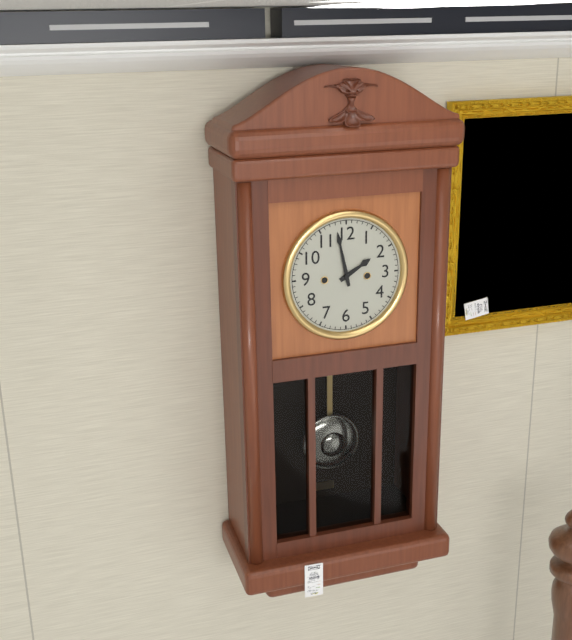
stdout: **1:58**
